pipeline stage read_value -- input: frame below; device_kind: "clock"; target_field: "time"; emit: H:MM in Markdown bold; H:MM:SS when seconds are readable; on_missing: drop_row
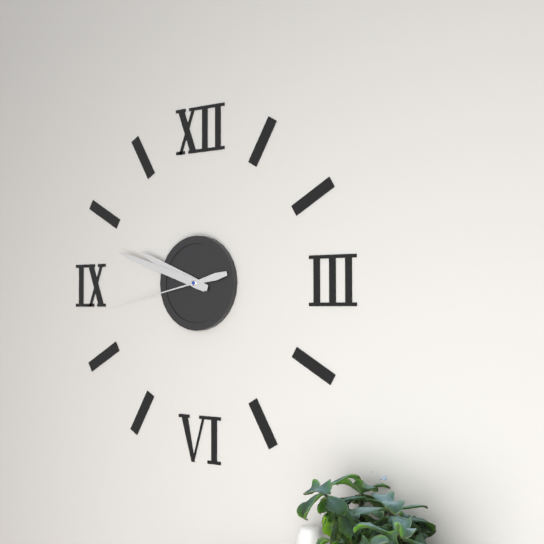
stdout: **9:48:43**
